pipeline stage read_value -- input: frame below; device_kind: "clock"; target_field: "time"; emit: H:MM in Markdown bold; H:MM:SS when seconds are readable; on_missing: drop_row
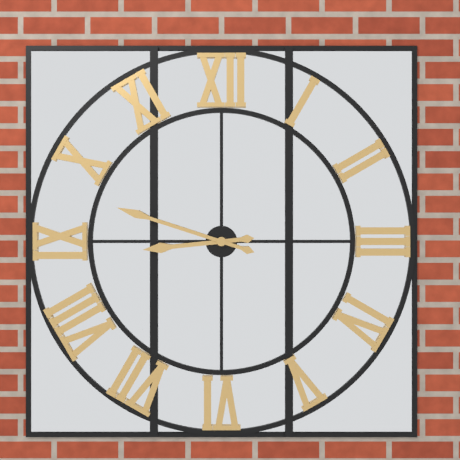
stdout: **8:48**
